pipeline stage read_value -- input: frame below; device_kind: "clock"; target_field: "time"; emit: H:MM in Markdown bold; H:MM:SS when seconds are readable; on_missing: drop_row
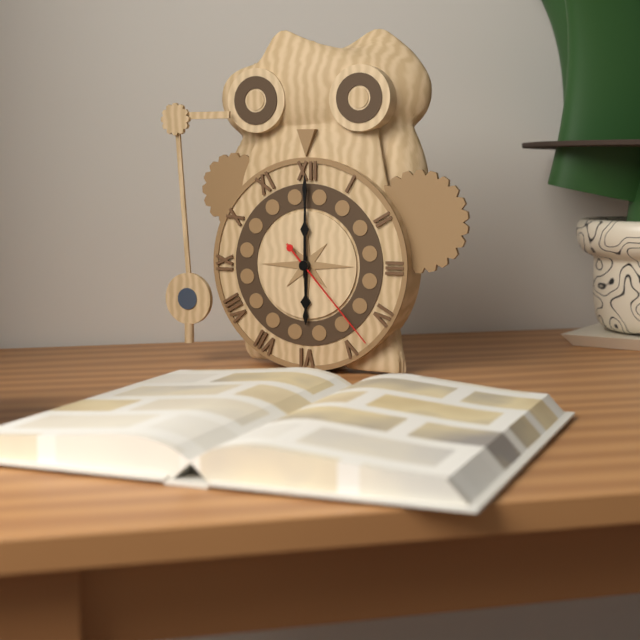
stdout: **6:00:23**
